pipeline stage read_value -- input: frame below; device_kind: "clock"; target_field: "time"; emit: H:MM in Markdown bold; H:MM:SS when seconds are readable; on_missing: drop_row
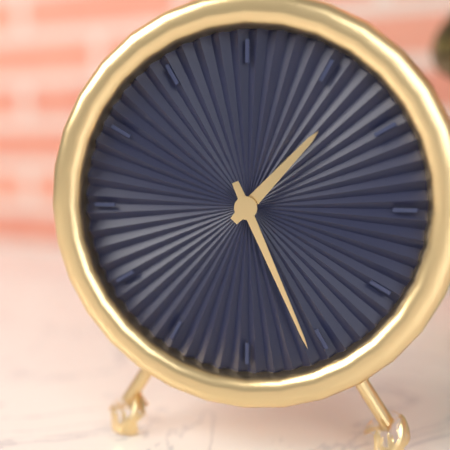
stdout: **1:26**
